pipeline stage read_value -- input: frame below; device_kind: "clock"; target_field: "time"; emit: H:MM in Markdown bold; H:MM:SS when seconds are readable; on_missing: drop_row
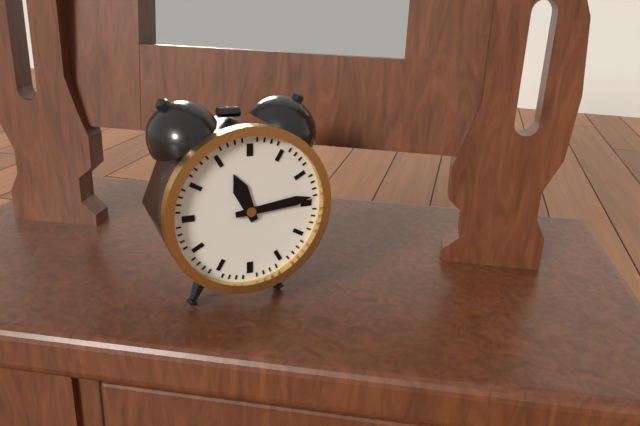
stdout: **11:14**
